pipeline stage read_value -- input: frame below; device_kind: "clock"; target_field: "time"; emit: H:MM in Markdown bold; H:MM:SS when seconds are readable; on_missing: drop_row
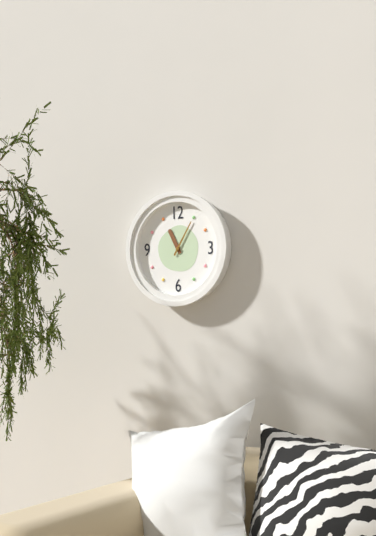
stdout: **11:05**
